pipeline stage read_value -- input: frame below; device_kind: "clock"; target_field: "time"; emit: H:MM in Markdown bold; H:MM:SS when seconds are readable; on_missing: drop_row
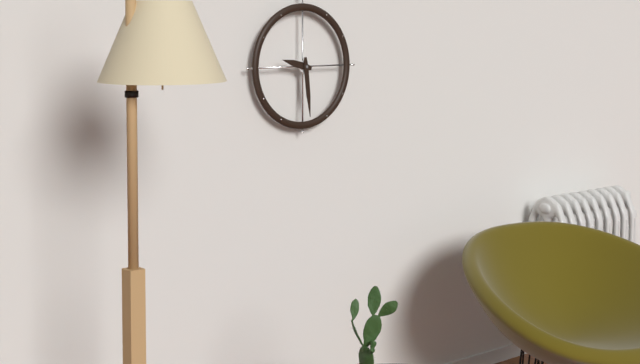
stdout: **9:29**
